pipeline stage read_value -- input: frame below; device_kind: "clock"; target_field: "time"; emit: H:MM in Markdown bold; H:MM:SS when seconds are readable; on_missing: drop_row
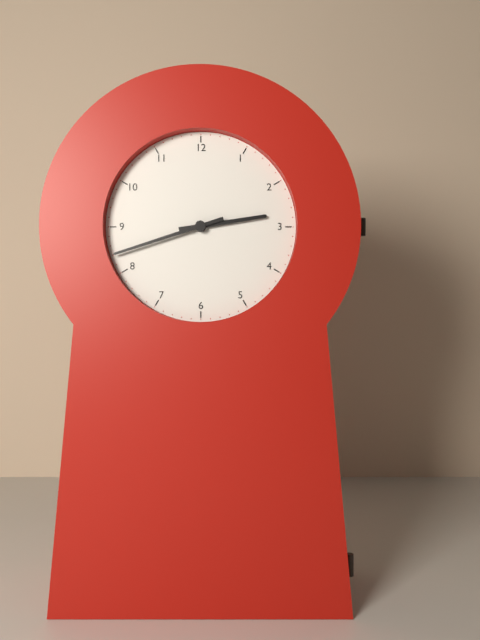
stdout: **2:42**
